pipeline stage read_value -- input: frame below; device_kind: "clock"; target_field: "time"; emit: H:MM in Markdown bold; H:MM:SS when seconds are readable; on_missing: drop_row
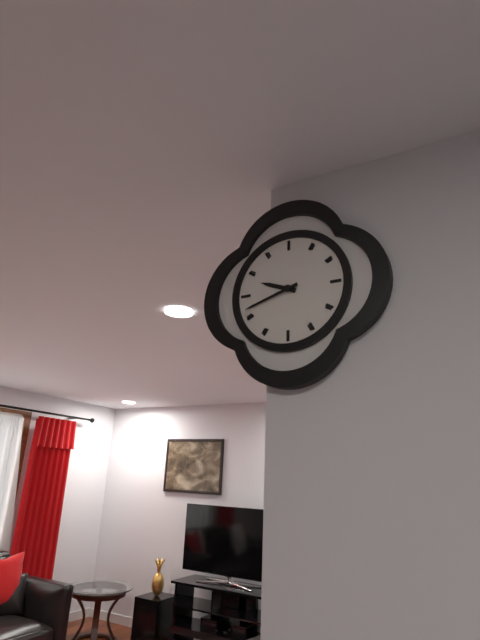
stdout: **9:42**
